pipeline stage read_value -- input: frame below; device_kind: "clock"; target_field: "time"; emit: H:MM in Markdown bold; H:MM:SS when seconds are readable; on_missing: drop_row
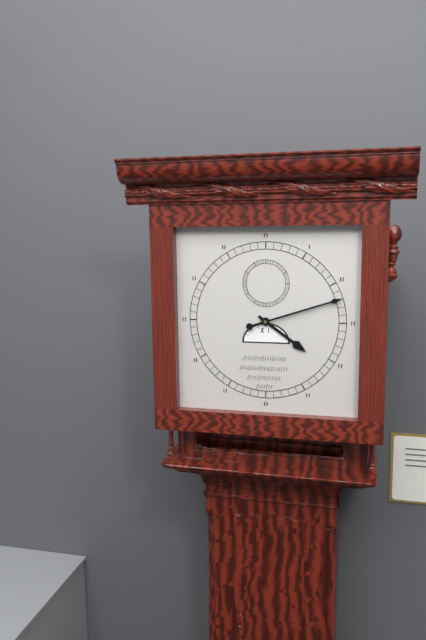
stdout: **4:12**
